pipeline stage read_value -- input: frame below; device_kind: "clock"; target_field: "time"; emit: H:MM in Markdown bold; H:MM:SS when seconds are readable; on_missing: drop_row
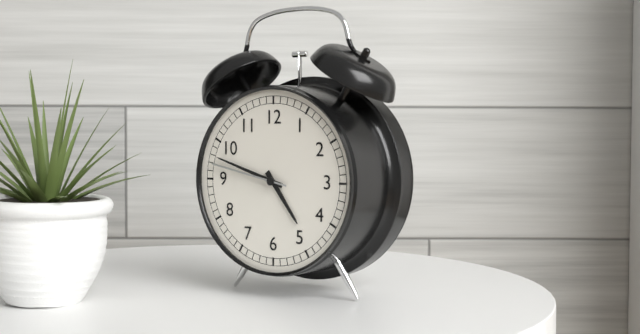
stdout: **4:48:47**
